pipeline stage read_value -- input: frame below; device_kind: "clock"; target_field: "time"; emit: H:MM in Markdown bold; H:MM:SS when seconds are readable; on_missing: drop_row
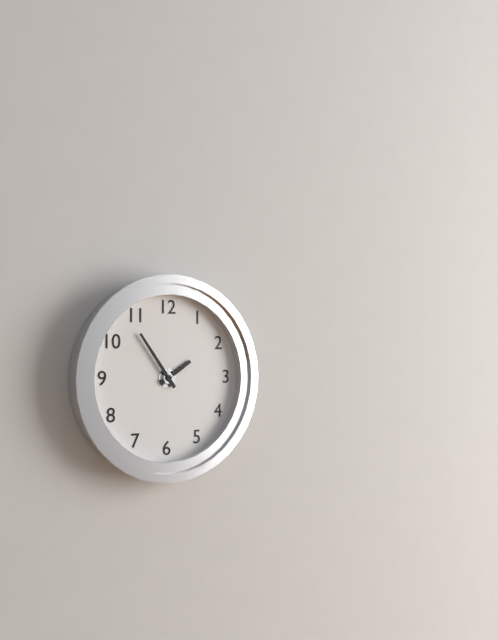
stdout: **1:54**
